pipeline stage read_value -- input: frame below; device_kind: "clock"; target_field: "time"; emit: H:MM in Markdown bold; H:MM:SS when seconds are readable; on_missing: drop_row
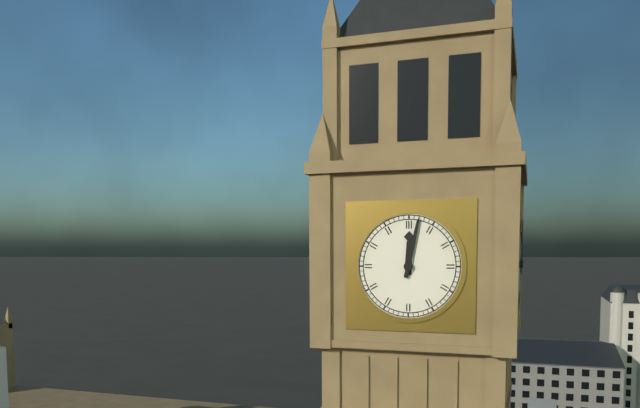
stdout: **12:02**
